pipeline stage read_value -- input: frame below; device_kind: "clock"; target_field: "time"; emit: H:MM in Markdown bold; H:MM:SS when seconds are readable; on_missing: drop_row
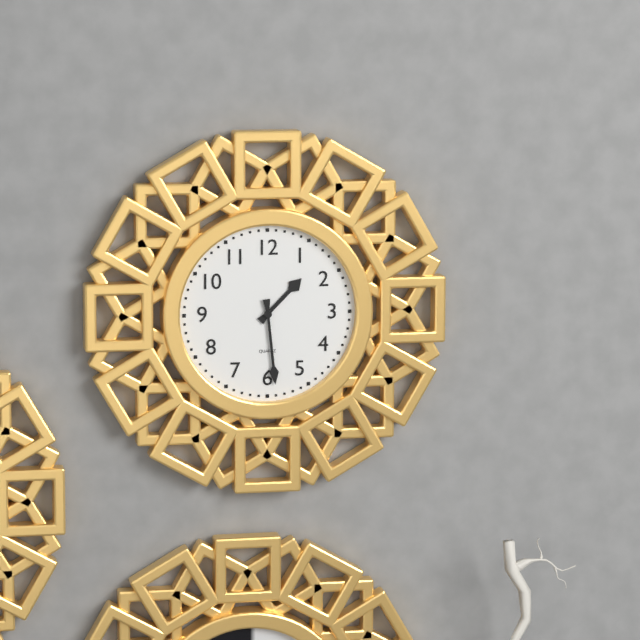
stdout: **1:29**
